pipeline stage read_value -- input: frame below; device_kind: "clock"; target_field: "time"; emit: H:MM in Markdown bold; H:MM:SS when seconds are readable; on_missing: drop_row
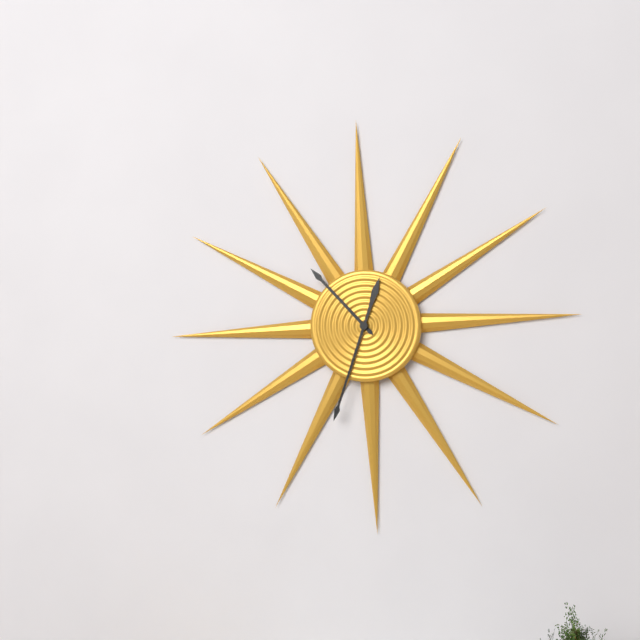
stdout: **10:33**
